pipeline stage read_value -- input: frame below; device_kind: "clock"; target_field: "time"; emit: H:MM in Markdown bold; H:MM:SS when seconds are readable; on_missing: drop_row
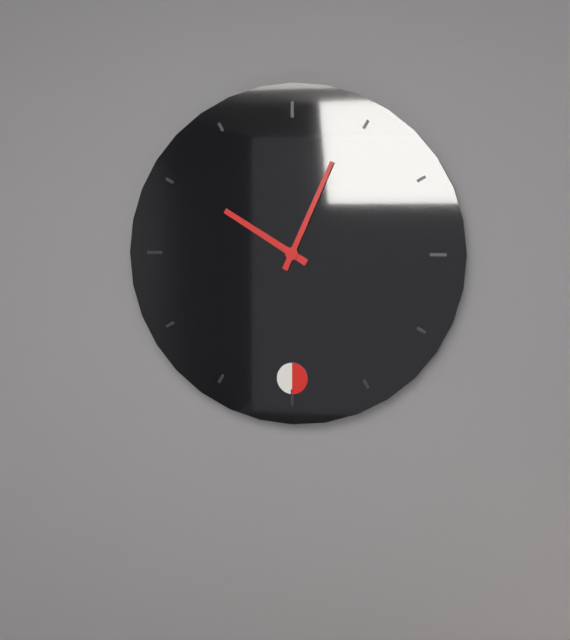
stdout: **10:04**
